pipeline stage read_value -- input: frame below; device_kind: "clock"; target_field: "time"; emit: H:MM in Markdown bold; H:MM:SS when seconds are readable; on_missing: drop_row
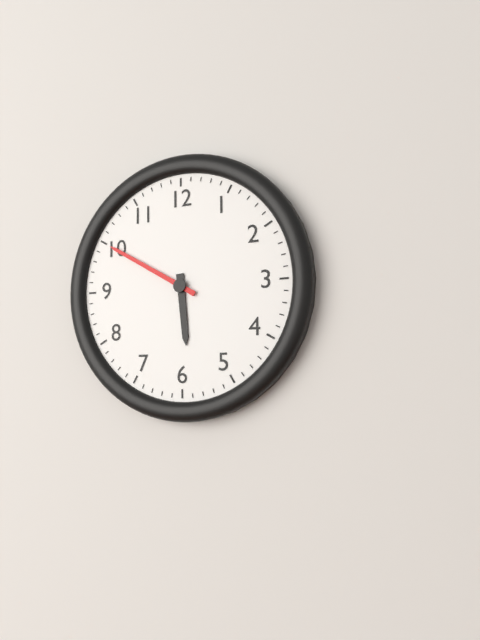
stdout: **5:50**
